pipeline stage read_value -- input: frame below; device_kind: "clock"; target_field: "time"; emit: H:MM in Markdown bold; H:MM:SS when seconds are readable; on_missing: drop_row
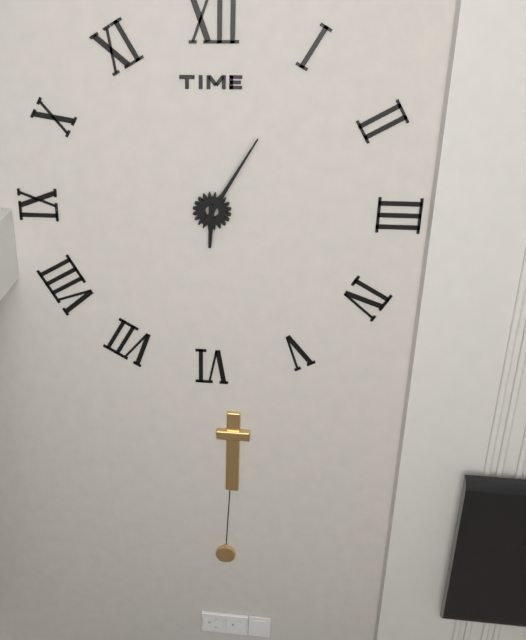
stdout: **6:05**
